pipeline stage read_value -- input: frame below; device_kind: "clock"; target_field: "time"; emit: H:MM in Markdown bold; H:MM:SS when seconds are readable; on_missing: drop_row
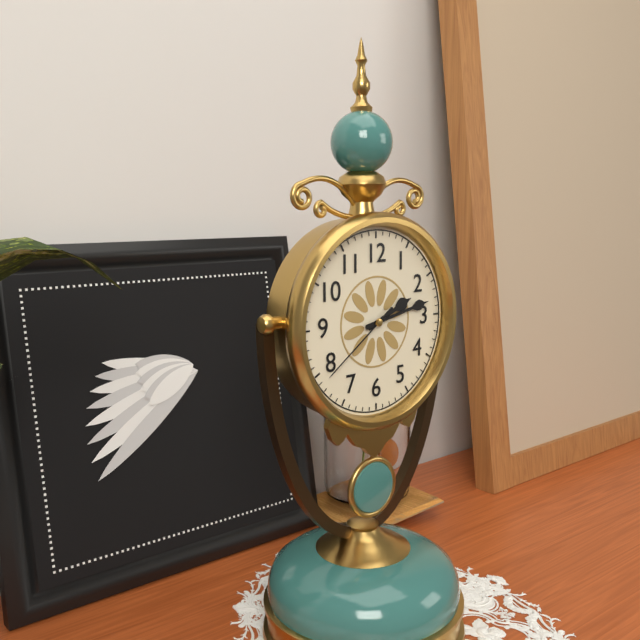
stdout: **2:13:39**
